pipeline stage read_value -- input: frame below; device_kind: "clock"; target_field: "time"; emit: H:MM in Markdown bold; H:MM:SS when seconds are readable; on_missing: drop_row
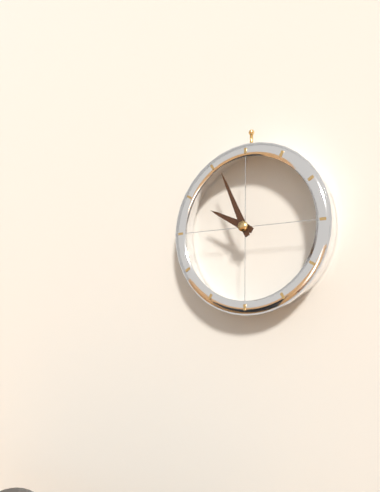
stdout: **9:56**
